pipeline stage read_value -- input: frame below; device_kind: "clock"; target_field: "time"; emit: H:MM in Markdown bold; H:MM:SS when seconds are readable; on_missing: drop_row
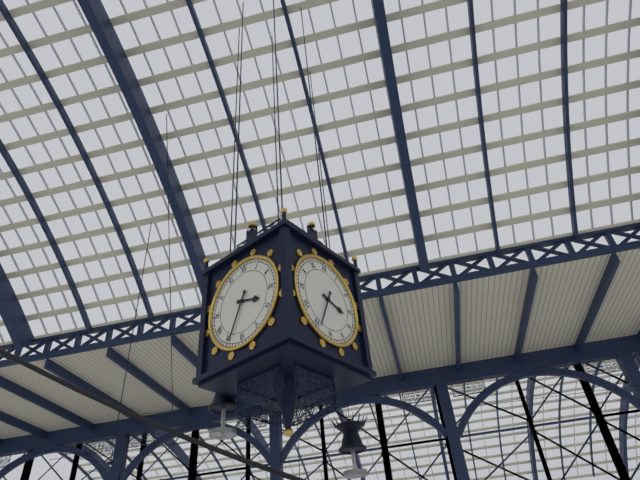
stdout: **3:34**
